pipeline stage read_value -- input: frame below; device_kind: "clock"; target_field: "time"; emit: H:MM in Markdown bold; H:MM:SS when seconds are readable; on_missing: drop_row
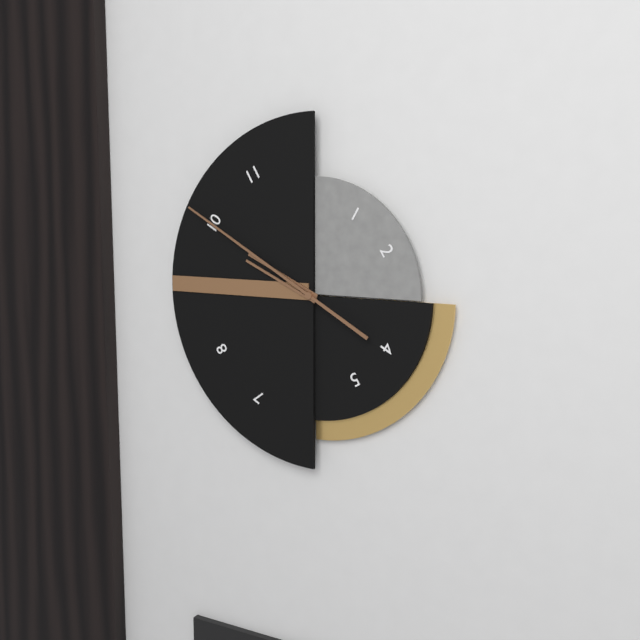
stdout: **9:50**
